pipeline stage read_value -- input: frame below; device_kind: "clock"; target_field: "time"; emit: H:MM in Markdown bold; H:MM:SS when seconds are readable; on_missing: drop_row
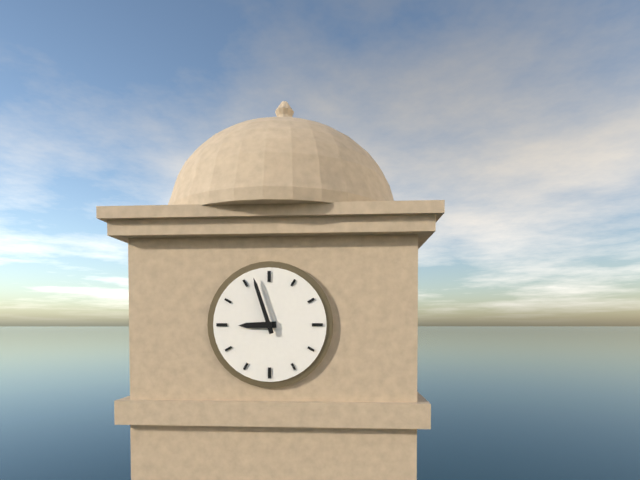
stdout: **8:57**
